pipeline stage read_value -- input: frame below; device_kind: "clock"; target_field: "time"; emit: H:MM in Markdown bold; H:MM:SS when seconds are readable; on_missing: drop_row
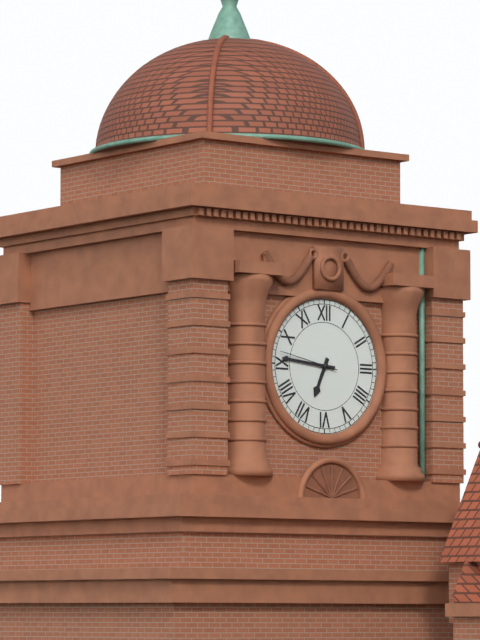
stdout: **6:46:47**
